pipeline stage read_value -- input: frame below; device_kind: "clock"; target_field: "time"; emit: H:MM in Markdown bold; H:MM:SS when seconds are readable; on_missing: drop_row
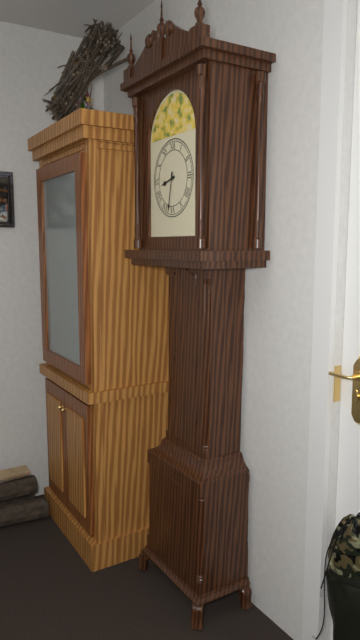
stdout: **8:32**
